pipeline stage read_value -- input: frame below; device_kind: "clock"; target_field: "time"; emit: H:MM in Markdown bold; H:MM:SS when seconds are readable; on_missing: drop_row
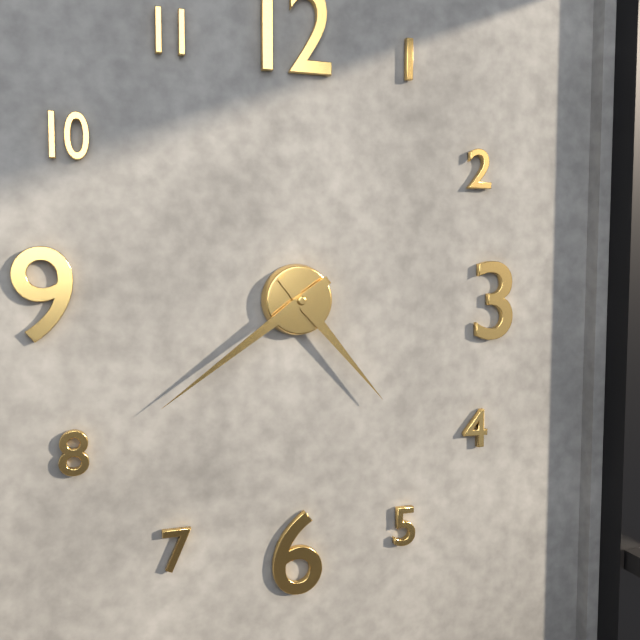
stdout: **4:39**
